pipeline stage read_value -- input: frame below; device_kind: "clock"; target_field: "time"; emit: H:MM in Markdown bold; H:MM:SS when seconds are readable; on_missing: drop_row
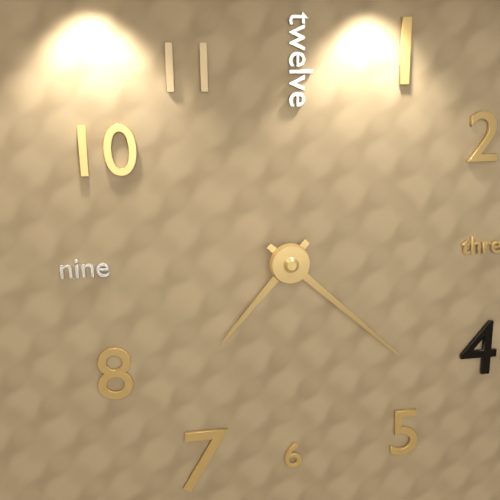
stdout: **7:22**
